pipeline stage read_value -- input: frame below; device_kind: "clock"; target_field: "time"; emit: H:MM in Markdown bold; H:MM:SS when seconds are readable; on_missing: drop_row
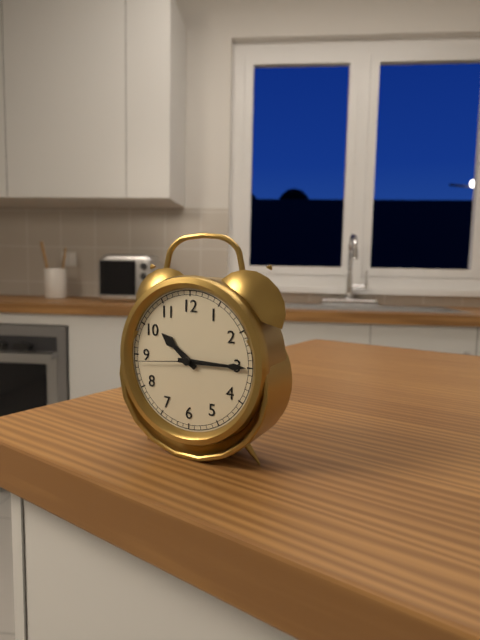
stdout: **10:15:44**
